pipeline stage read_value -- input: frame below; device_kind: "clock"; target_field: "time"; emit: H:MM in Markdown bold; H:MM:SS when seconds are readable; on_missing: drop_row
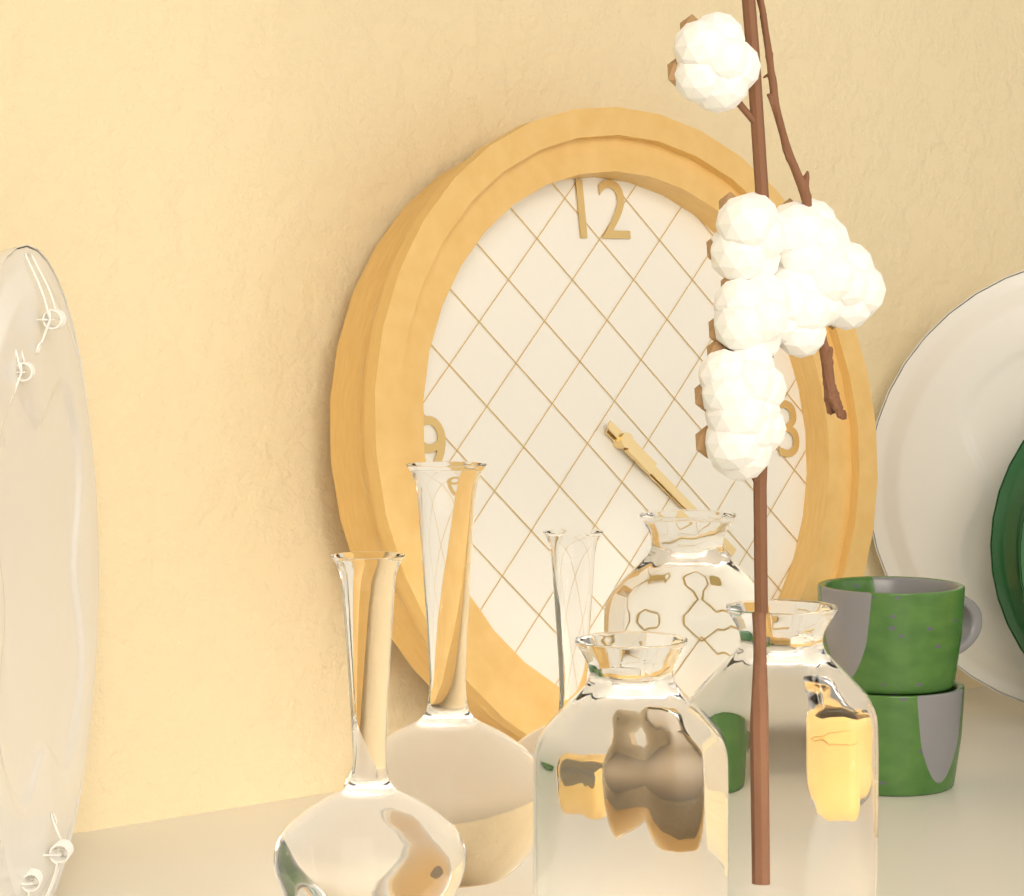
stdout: **4:22**
